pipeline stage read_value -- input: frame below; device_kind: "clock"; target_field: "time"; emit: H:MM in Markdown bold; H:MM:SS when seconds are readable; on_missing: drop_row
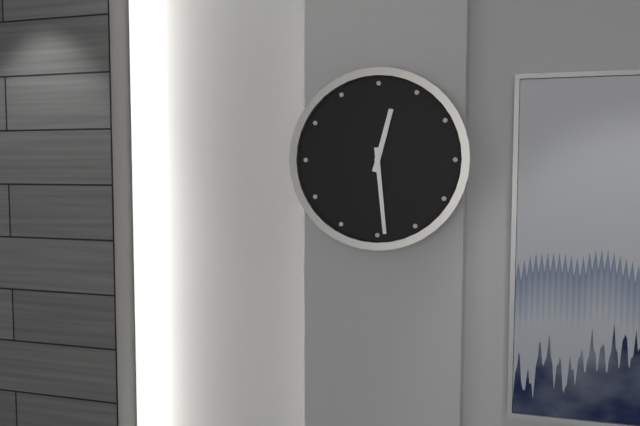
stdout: **12:29**
